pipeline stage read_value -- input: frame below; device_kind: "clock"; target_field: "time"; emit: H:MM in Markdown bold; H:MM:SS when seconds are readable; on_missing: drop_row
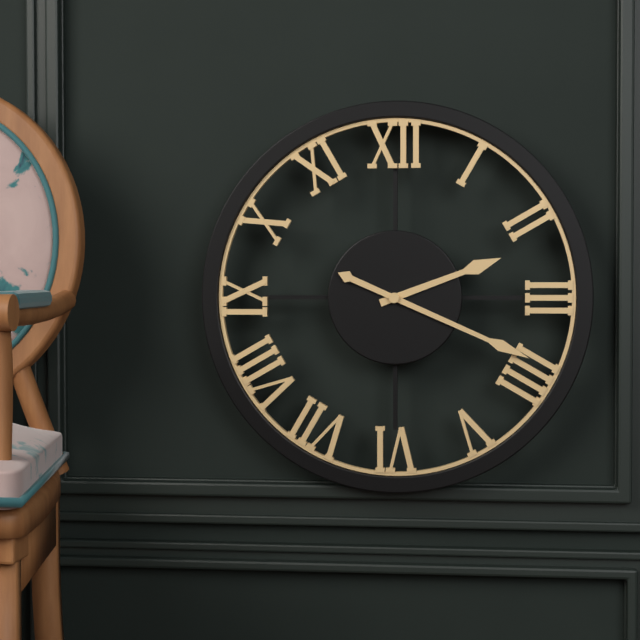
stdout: **2:19**
